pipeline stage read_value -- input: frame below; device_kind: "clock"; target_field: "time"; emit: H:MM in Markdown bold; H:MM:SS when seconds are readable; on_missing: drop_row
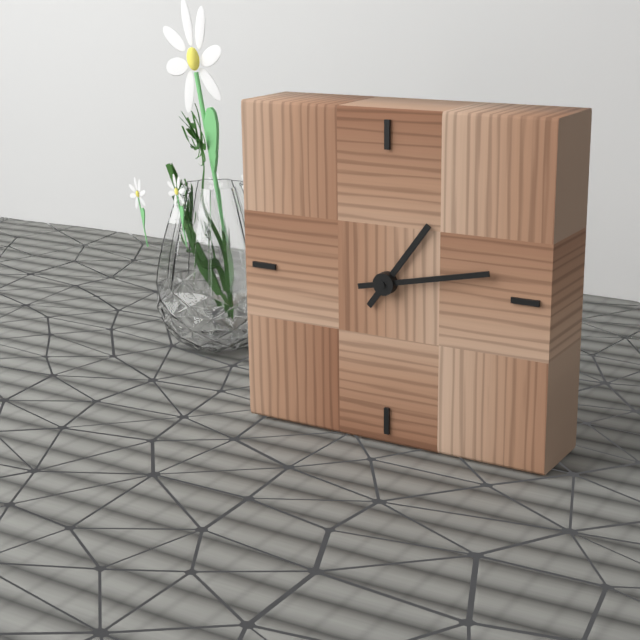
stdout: **1:13**
